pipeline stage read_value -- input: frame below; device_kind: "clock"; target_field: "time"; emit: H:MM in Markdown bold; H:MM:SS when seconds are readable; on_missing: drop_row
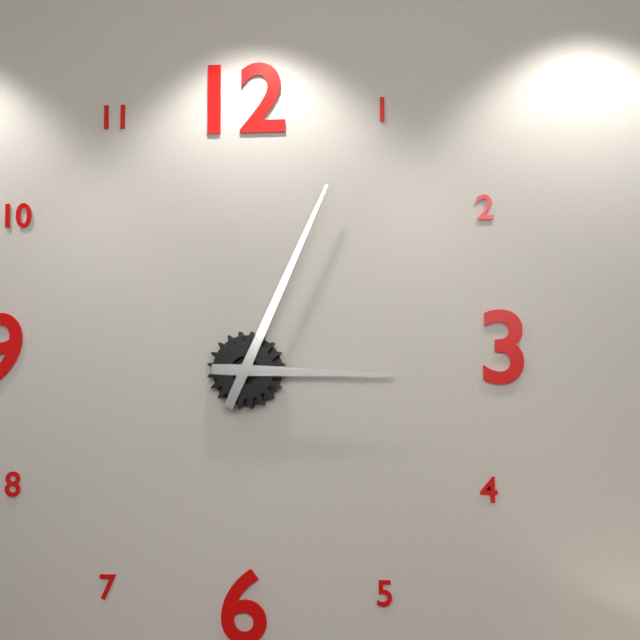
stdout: **3:04**
